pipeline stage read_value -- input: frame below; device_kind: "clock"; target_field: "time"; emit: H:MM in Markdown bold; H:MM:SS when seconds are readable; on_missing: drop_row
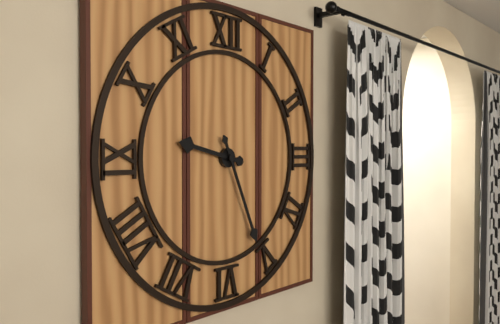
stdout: **9:26**
